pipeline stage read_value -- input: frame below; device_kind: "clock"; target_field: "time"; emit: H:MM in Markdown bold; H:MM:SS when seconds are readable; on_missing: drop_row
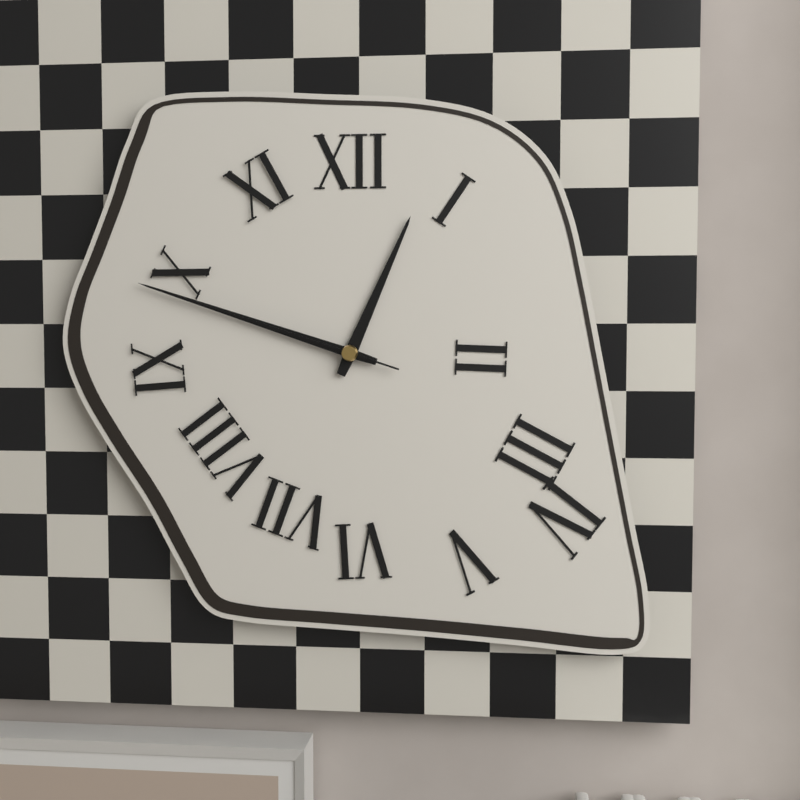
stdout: **12:48:48**
